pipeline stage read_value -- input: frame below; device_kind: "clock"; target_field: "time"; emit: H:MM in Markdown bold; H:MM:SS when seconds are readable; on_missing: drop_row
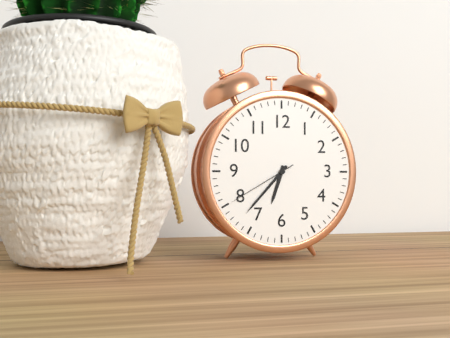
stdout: **6:37:40**
